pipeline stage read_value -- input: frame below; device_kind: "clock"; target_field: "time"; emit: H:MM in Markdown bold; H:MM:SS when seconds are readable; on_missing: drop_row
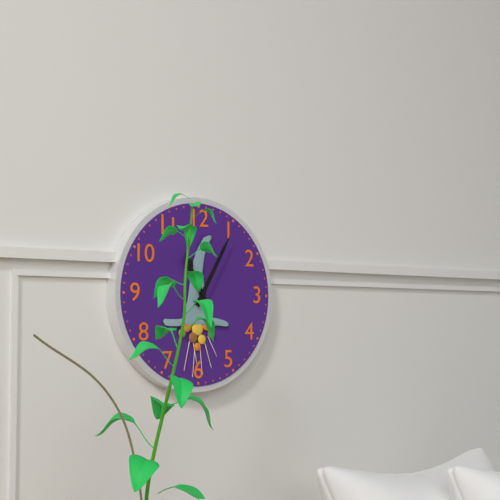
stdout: **11:05**
